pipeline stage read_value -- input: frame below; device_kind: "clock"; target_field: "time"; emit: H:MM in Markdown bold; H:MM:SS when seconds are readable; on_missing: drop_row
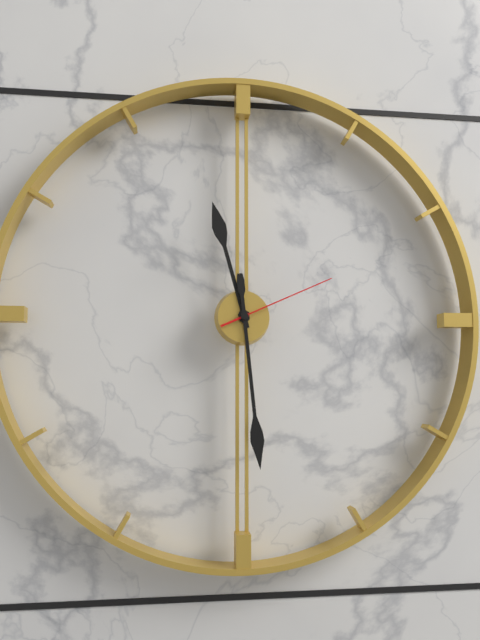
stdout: **11:29:11**
